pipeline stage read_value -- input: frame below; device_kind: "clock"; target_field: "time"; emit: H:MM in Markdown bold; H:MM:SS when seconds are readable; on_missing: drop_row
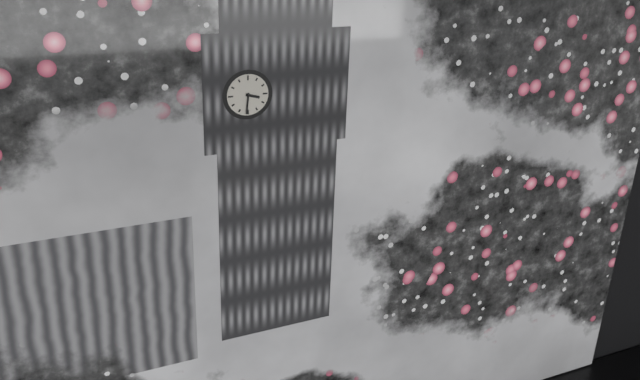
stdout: **3:31**
